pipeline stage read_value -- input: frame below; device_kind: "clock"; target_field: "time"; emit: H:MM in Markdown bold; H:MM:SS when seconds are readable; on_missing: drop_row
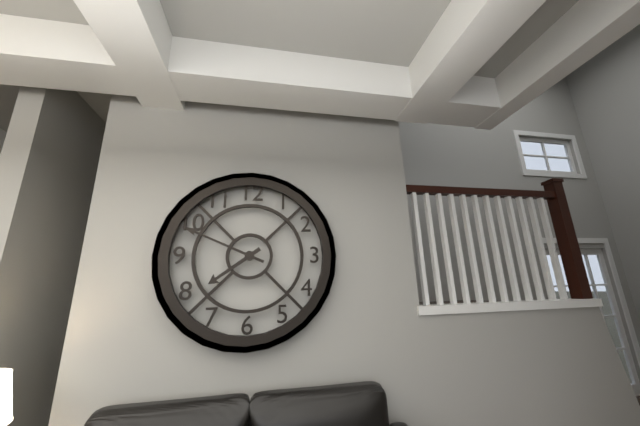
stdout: **7:49**
